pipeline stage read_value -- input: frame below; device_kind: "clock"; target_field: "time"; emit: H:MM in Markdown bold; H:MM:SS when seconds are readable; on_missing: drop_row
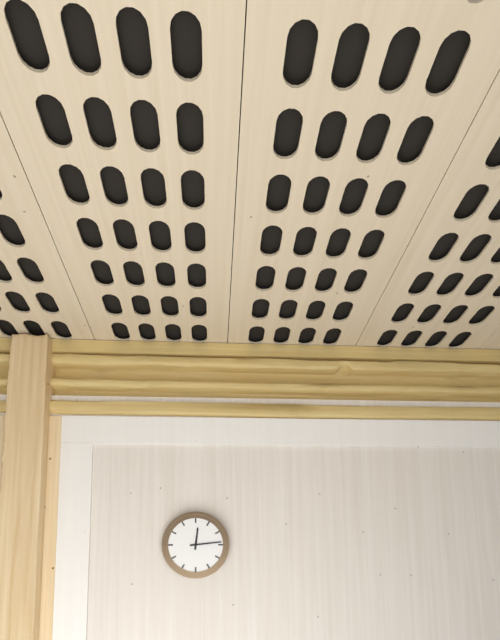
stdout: **12:14**
